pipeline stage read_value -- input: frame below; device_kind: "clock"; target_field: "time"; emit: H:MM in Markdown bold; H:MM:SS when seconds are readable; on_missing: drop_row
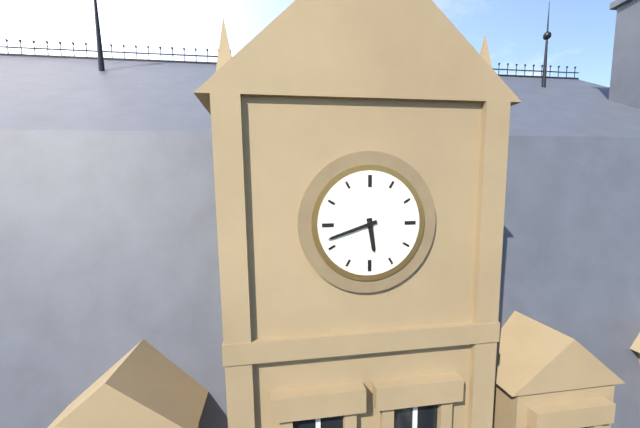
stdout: **5:42**
